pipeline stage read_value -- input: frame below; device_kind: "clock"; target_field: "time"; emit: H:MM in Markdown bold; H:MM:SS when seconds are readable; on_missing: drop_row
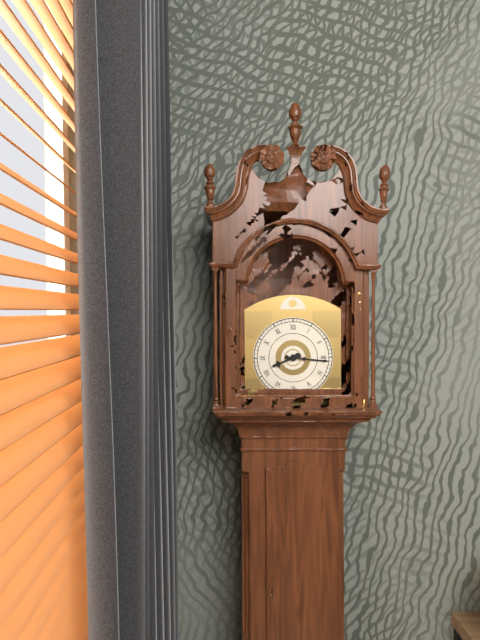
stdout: **8:16**
